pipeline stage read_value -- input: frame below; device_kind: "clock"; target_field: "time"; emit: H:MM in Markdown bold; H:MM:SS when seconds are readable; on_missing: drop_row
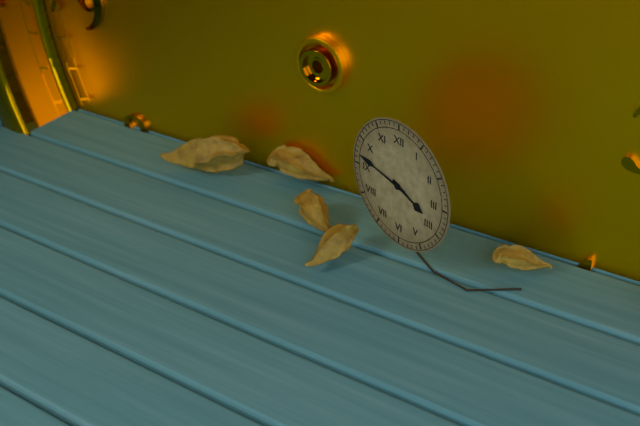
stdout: **3:47**
